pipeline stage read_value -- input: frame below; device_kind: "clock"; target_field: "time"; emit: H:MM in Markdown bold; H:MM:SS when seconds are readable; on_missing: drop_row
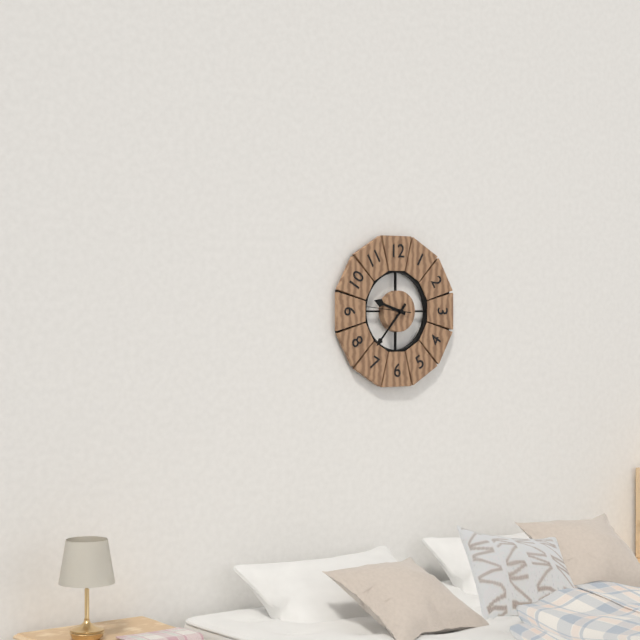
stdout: **9:37**
